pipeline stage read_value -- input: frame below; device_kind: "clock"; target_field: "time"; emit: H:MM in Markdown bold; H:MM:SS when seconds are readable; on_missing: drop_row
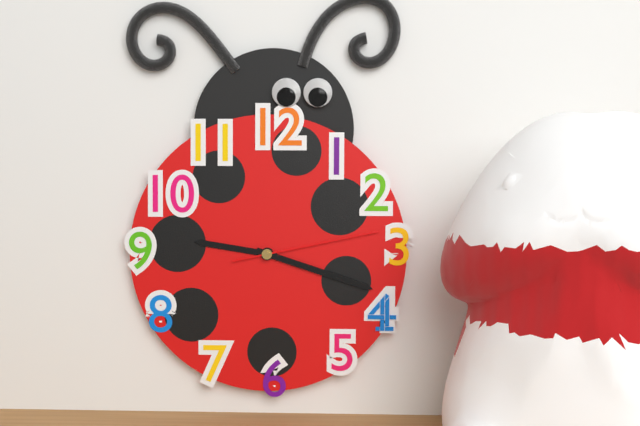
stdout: **9:18:13**
